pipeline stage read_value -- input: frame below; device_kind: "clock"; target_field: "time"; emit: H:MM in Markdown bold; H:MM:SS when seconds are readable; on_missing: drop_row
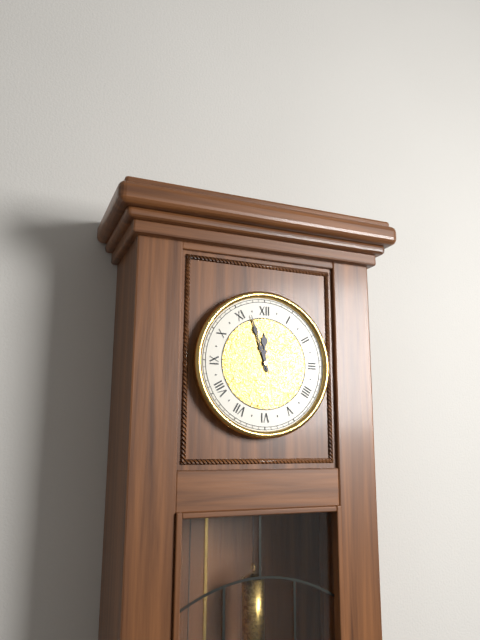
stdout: **11:57**
